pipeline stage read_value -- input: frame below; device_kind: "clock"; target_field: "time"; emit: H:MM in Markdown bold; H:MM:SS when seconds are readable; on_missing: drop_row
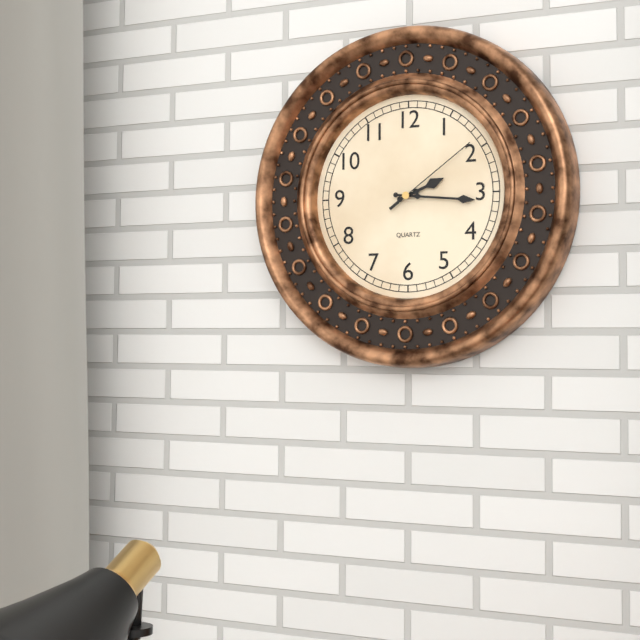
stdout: **2:16:09**
